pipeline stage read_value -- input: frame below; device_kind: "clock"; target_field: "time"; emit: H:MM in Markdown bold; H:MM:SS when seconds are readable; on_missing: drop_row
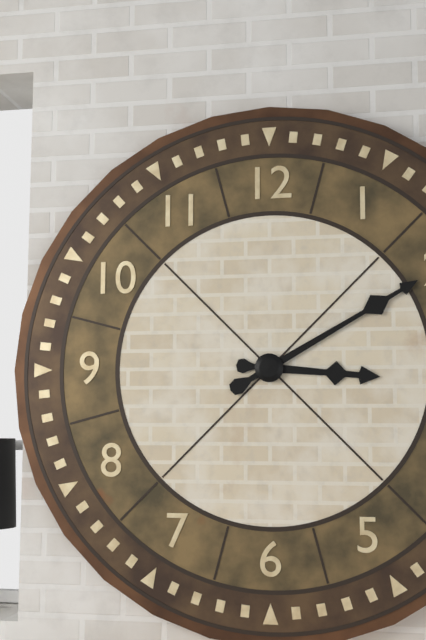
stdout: **3:10**
